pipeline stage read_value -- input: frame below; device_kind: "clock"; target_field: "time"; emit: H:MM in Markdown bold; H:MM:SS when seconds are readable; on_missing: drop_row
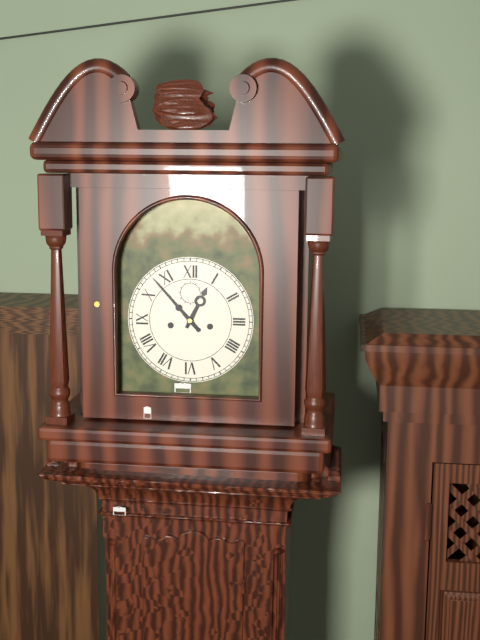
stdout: **12:53**
